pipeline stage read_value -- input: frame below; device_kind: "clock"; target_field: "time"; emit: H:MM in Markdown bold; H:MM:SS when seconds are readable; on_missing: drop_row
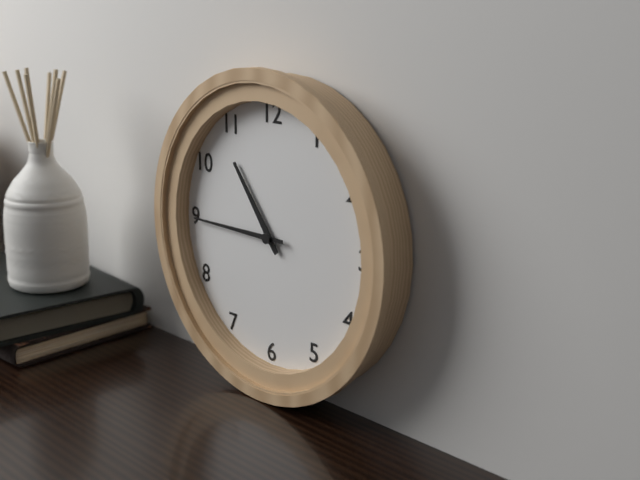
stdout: **10:45**
